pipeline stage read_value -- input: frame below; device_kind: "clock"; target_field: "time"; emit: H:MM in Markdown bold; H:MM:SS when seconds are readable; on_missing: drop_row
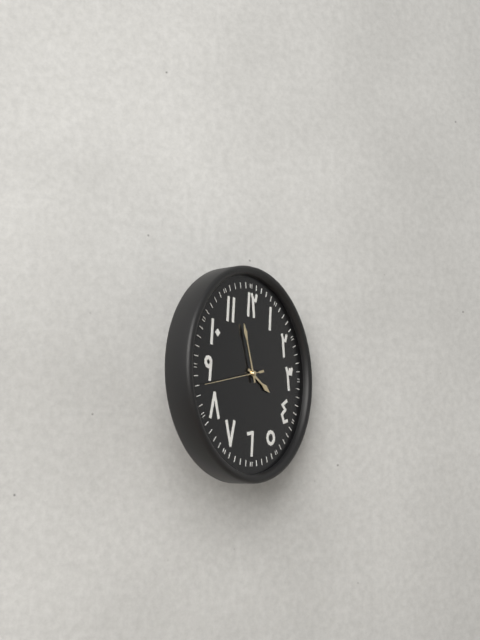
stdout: **3:57:43**
